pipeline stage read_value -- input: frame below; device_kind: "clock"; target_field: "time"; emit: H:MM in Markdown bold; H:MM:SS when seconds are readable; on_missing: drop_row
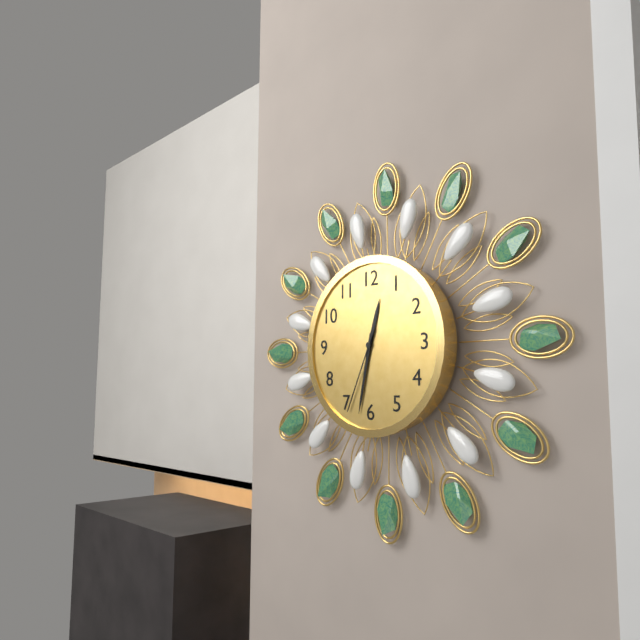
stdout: **12:32:34**
